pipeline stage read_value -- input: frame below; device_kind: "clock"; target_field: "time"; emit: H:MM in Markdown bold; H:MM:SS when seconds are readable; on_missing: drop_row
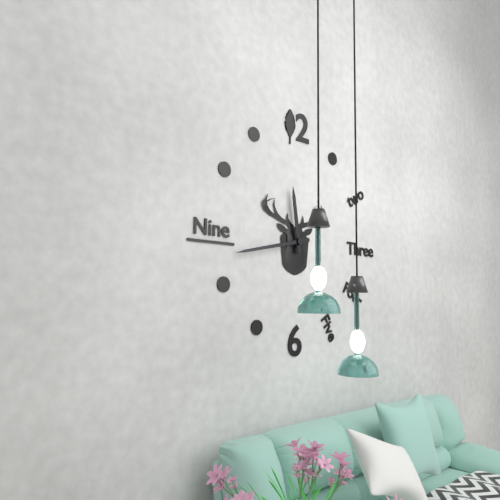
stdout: **11:43**
